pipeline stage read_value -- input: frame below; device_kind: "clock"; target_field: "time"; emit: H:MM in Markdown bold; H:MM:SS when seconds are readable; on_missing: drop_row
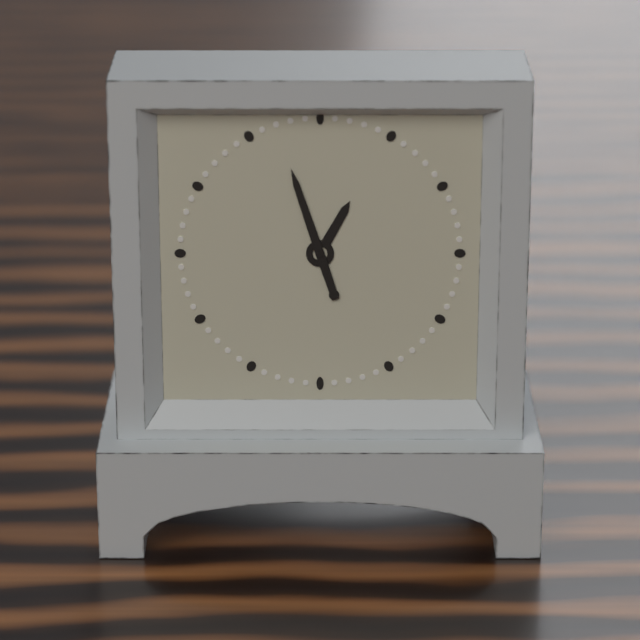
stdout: **12:57**
